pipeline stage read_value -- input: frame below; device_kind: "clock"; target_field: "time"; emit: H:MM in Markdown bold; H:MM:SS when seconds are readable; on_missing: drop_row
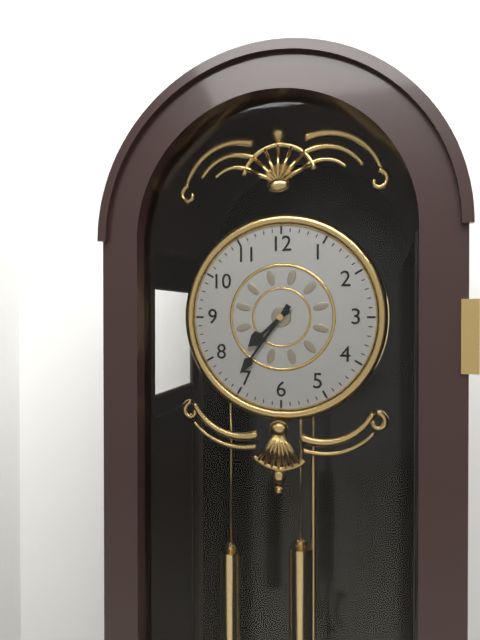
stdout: **7:36**
